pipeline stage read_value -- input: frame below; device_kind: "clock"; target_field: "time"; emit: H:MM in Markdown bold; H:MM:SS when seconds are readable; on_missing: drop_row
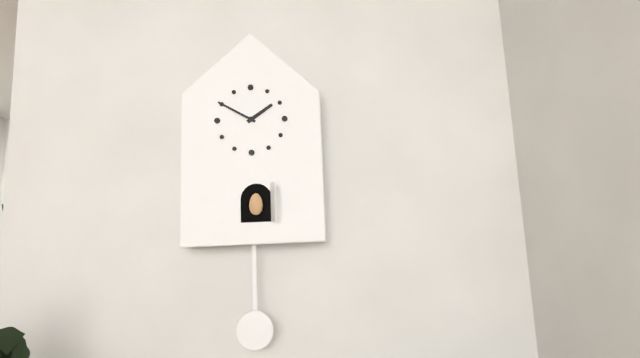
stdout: **1:50**
